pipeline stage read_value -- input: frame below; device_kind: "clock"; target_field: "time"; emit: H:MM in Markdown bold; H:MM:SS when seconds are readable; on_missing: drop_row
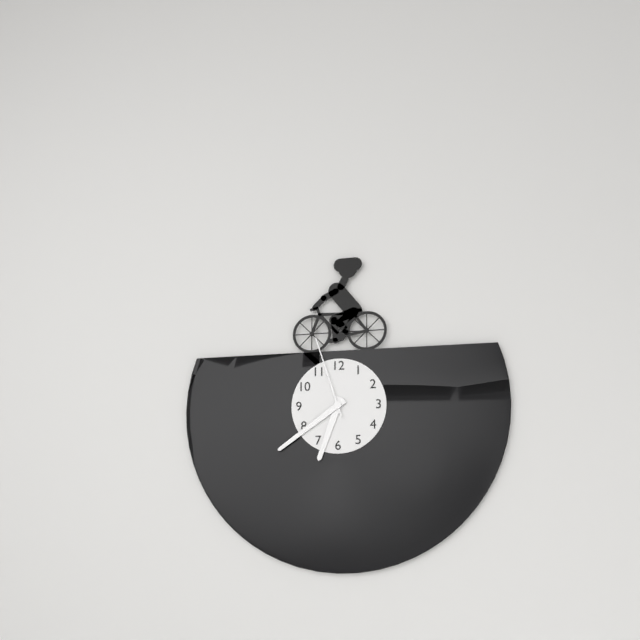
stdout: **6:39:57**
